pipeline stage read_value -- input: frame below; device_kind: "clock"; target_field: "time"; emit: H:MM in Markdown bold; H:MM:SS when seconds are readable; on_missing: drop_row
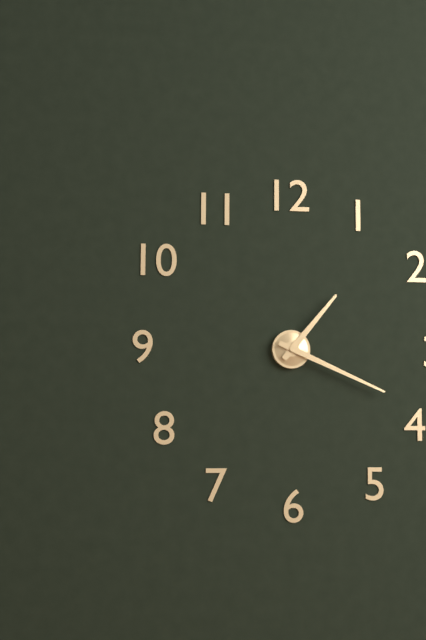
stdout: **1:19**
